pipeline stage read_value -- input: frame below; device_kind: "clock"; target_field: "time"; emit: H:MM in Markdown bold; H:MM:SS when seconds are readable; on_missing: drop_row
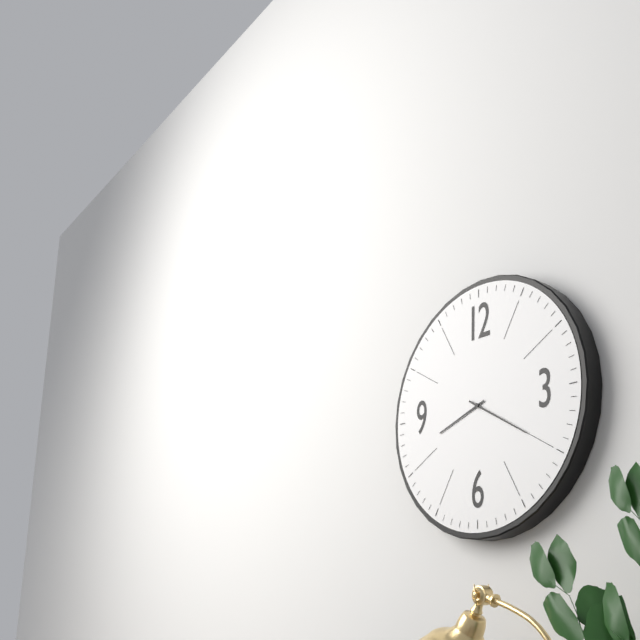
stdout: **8:20**
